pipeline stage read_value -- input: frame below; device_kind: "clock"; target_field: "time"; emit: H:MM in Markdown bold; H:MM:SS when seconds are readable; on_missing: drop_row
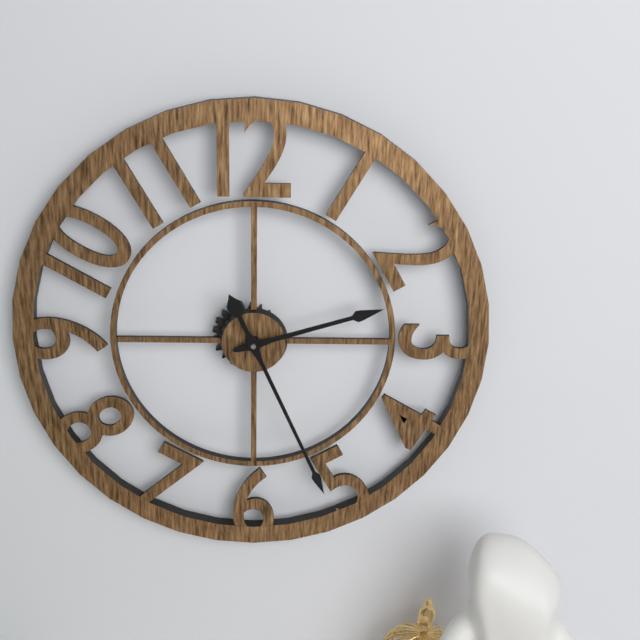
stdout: **2:26**
